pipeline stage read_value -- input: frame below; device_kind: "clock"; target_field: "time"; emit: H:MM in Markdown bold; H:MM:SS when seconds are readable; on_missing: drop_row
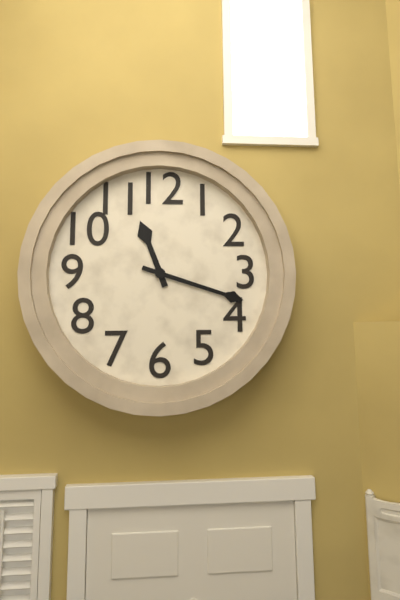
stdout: **11:18**
